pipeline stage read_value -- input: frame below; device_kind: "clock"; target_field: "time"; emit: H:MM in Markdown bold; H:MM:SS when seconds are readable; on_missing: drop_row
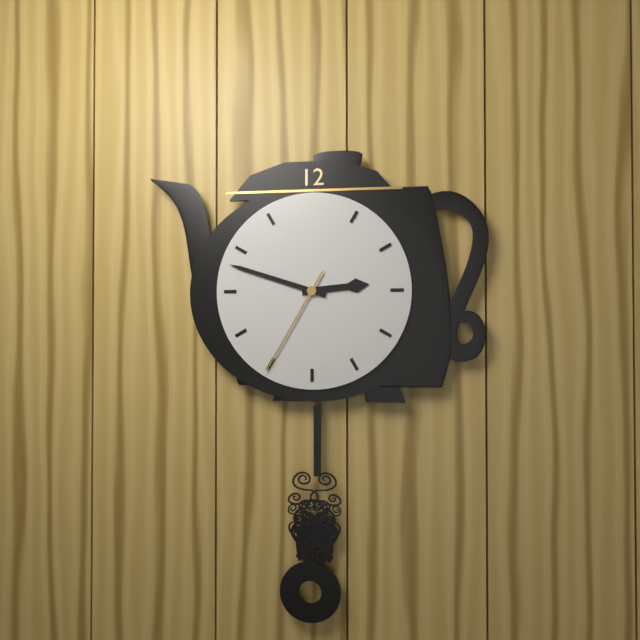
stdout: **2:48:35**
